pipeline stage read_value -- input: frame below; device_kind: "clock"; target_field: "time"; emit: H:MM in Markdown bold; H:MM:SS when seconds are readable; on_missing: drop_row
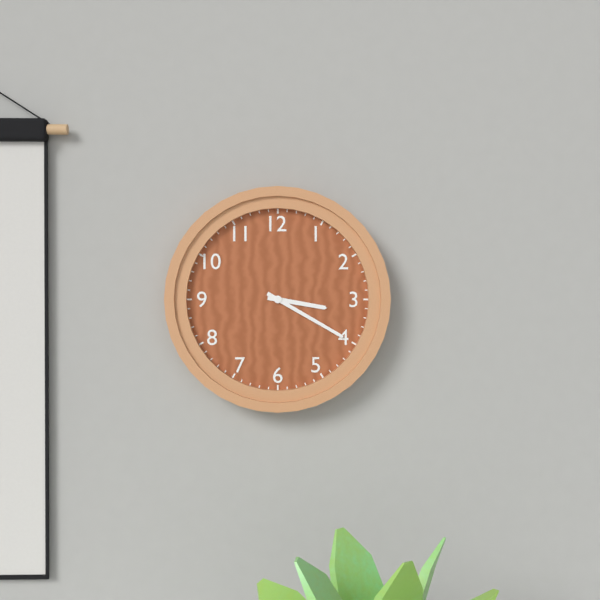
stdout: **3:20**
